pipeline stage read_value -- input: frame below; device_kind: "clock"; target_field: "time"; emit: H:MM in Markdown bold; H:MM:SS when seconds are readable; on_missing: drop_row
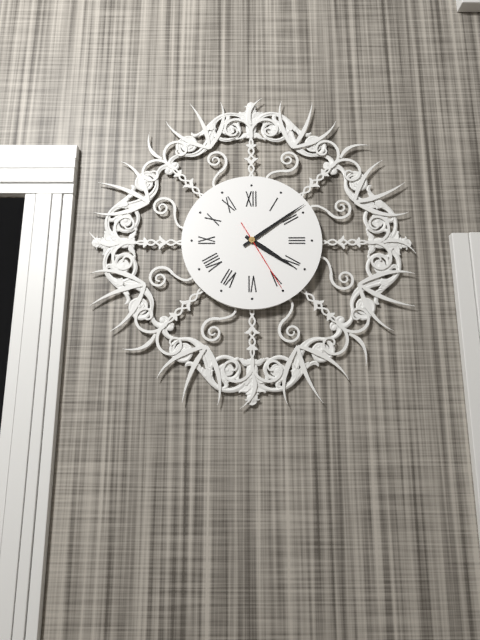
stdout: **4:09:25**
